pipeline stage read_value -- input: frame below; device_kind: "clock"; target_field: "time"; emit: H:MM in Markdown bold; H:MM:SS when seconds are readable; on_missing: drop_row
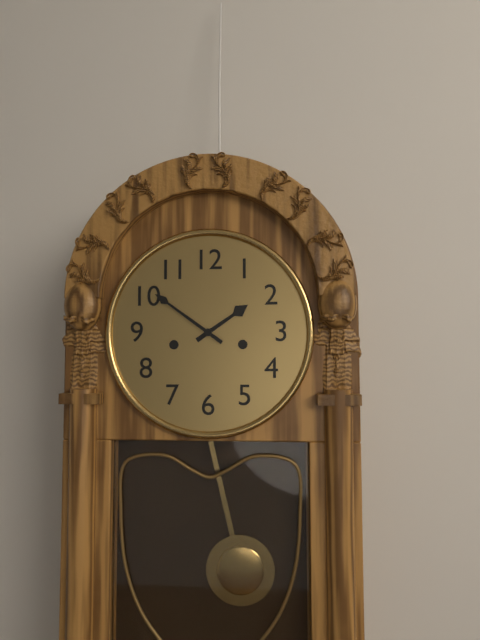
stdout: **1:51**
